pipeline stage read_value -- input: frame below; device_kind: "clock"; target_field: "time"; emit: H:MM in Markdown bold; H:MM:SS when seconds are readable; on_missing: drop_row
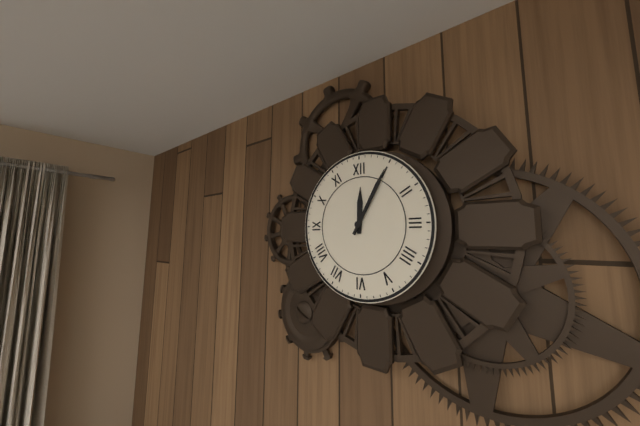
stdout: **12:05**
